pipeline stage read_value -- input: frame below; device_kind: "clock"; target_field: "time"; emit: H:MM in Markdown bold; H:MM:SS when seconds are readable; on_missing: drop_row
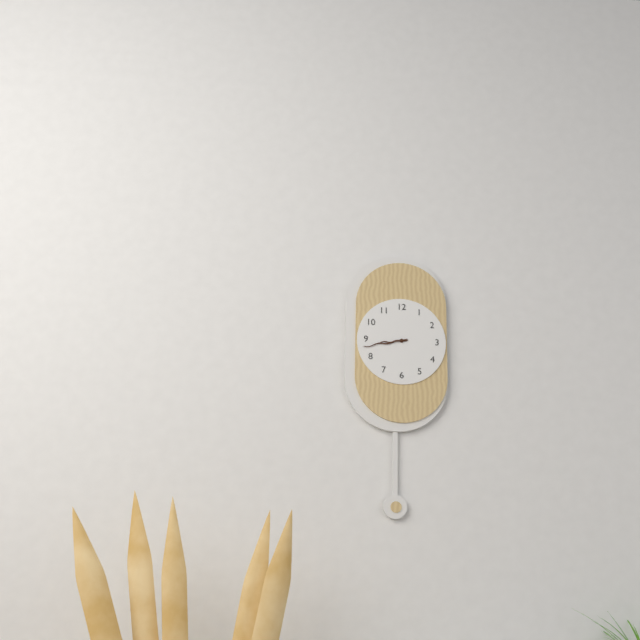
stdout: **8:43**
